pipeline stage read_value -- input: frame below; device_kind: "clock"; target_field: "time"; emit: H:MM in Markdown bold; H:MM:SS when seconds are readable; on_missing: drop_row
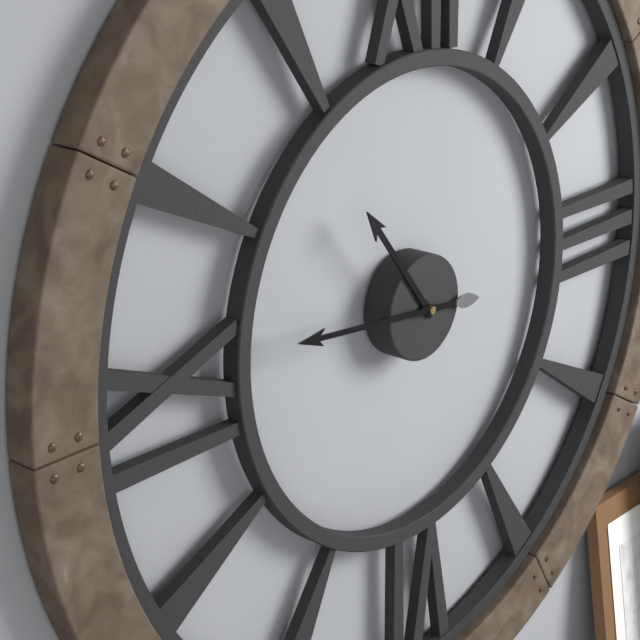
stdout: **10:46**
